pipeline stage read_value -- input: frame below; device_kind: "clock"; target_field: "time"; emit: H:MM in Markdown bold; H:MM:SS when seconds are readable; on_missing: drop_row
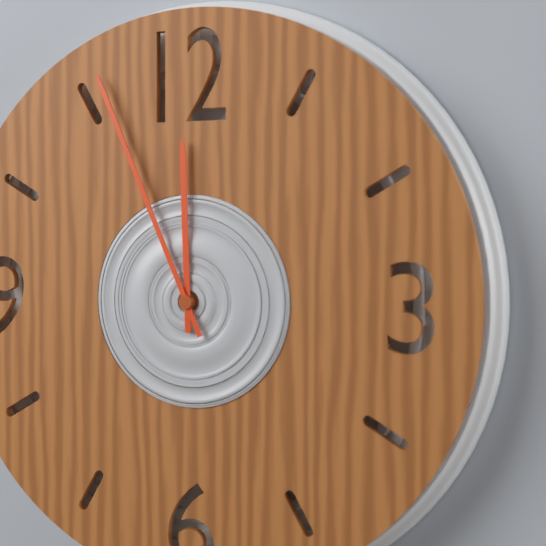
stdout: **11:56**
